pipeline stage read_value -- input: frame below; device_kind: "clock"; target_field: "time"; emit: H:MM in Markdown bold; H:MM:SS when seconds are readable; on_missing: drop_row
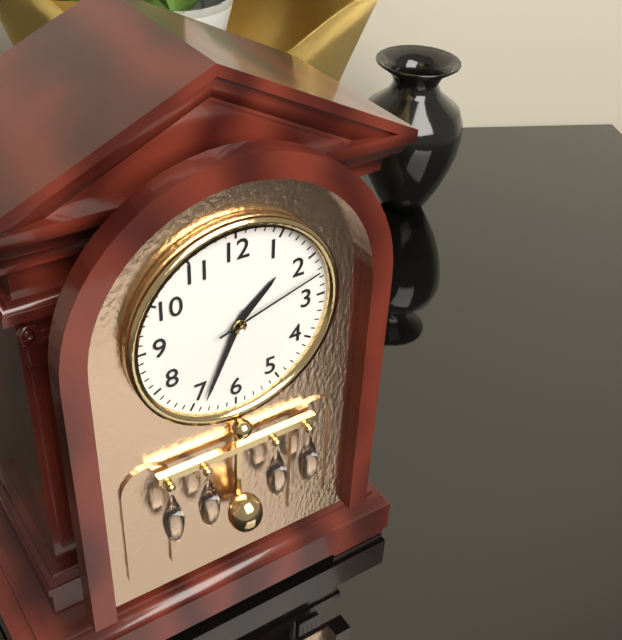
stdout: **1:34:12**
